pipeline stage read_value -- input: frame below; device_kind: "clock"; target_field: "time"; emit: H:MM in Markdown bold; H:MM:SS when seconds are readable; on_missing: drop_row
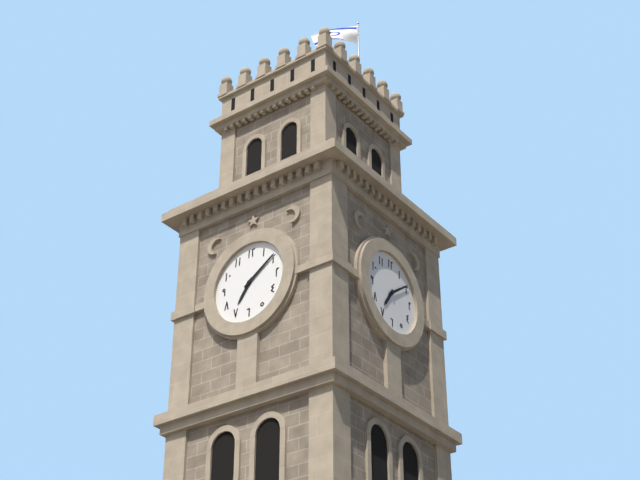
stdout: **7:09**
